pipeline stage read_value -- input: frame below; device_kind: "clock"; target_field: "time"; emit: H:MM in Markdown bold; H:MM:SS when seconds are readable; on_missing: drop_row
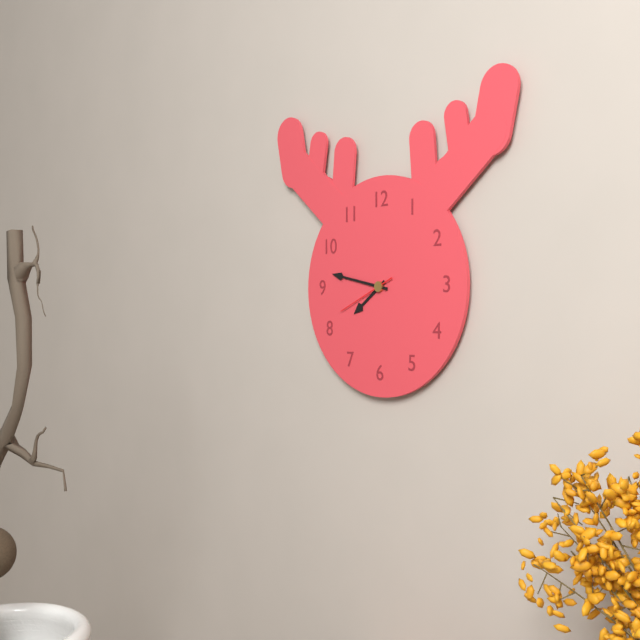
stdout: **7:47:41**
